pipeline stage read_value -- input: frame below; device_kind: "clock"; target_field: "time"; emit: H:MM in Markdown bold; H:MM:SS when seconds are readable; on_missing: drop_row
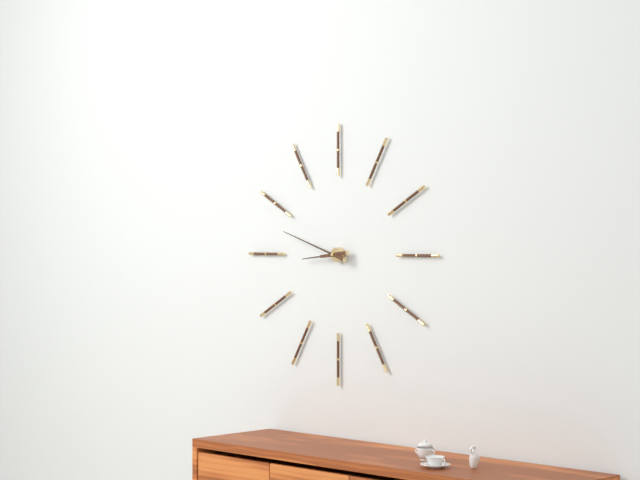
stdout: **8:48**
